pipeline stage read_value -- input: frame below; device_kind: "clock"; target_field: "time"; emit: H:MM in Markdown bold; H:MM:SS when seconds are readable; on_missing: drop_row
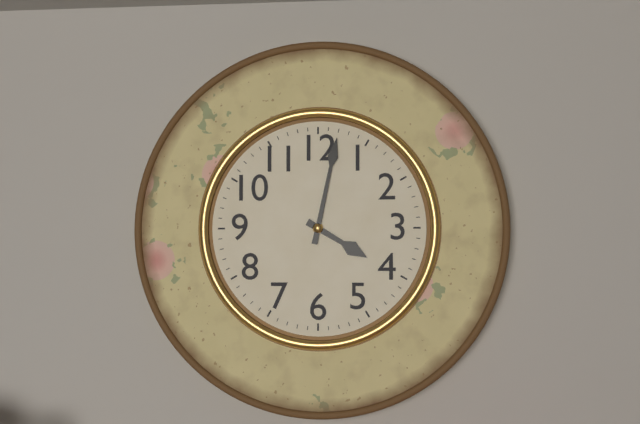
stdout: **4:02**
